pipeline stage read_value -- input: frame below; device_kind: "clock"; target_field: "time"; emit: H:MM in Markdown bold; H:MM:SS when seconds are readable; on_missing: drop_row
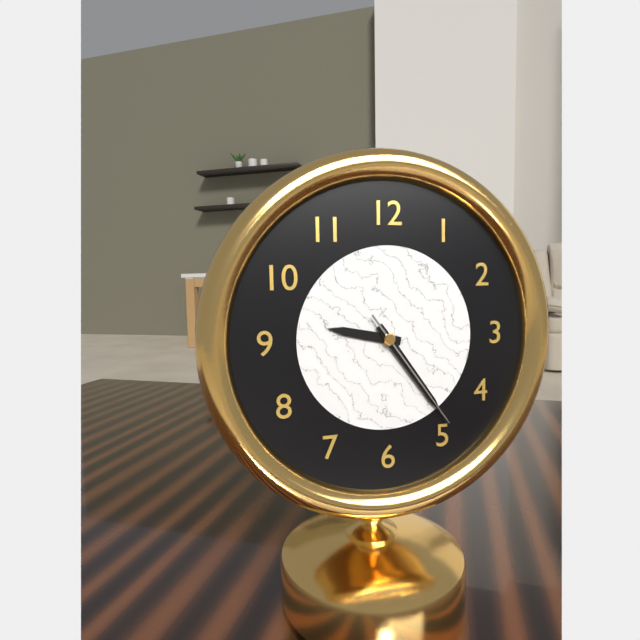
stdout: **9:24:24**
